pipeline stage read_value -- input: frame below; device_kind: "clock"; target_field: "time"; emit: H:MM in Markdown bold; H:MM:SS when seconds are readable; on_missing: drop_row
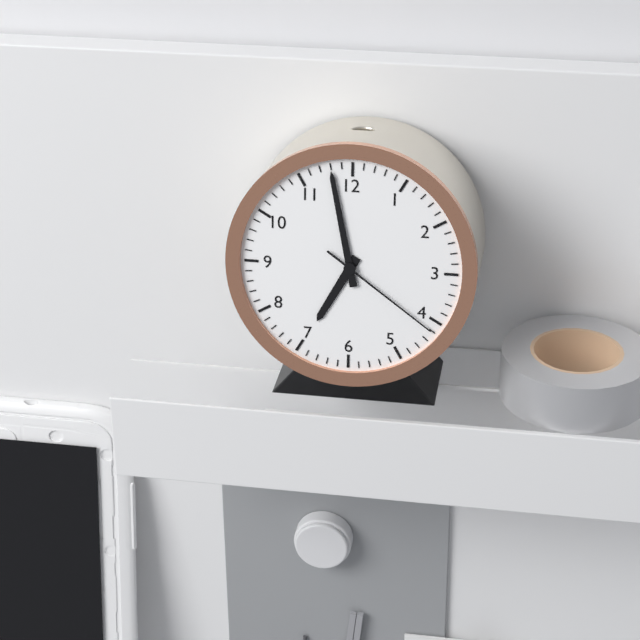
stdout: **6:58:21**
